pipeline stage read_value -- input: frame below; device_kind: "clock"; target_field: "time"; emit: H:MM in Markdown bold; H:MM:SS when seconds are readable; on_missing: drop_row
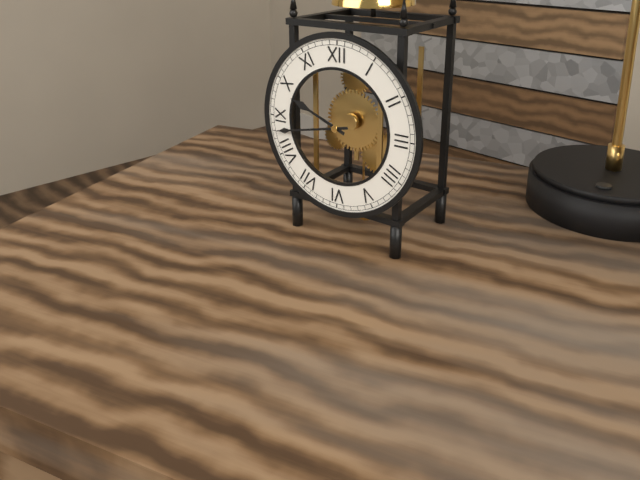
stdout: **9:43**
